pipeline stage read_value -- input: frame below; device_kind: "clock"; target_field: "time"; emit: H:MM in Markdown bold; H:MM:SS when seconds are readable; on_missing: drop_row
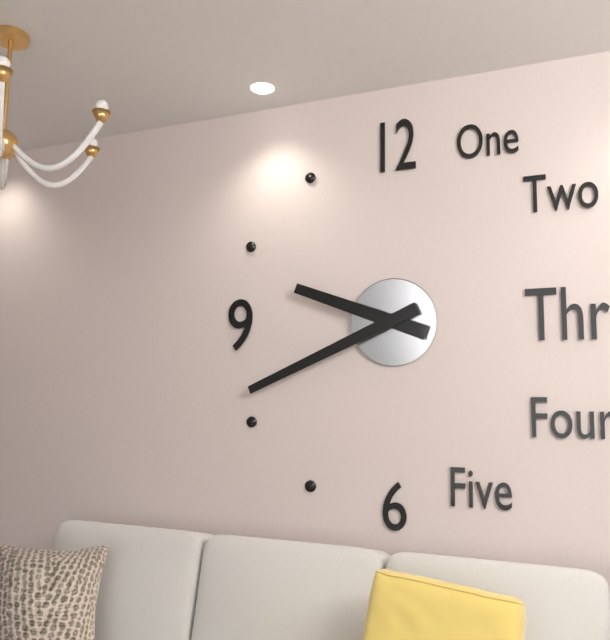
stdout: **9:41**
